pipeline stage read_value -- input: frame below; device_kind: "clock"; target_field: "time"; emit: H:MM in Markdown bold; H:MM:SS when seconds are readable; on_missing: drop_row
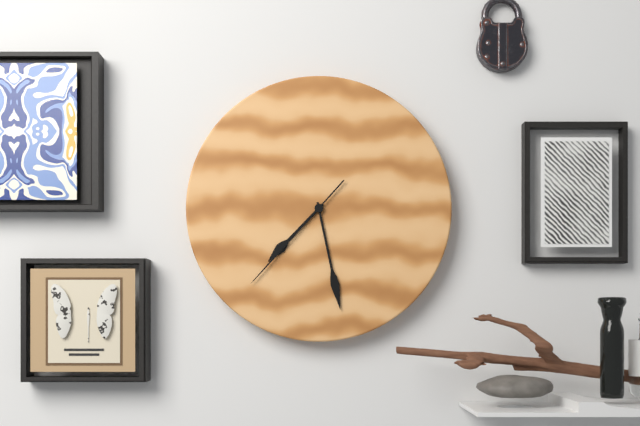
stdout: **7:28:37**
